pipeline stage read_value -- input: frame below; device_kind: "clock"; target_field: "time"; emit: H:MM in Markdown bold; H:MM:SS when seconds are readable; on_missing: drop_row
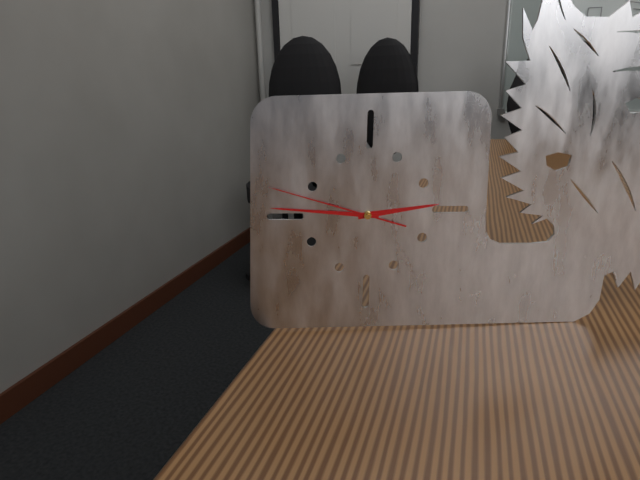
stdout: **2:46:48**
